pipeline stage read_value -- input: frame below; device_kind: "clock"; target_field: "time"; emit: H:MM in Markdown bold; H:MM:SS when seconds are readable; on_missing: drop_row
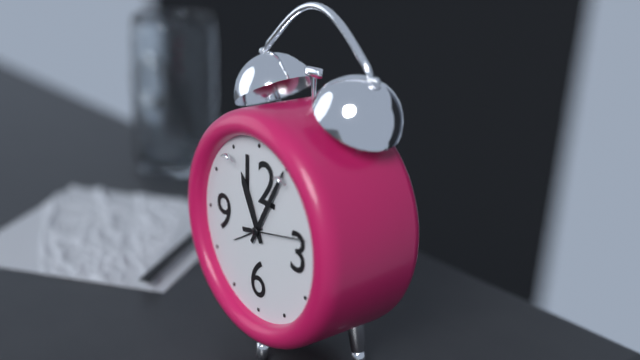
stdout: **11:05:13**
